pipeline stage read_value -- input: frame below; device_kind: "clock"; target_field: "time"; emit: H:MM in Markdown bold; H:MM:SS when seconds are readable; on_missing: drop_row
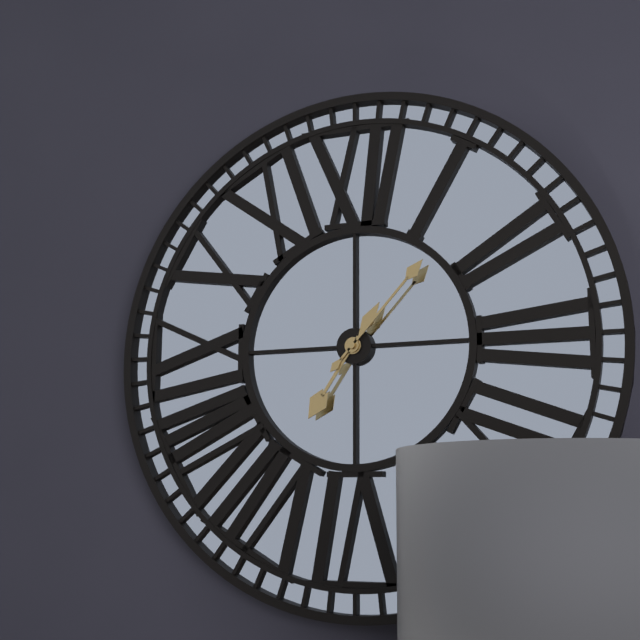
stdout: **7:07**
